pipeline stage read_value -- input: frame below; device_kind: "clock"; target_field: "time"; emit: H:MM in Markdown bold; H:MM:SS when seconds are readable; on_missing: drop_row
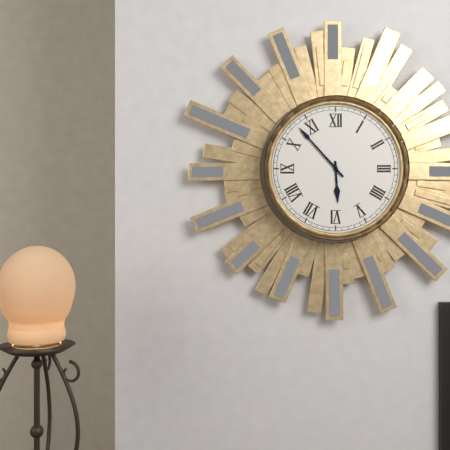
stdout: **5:53**
